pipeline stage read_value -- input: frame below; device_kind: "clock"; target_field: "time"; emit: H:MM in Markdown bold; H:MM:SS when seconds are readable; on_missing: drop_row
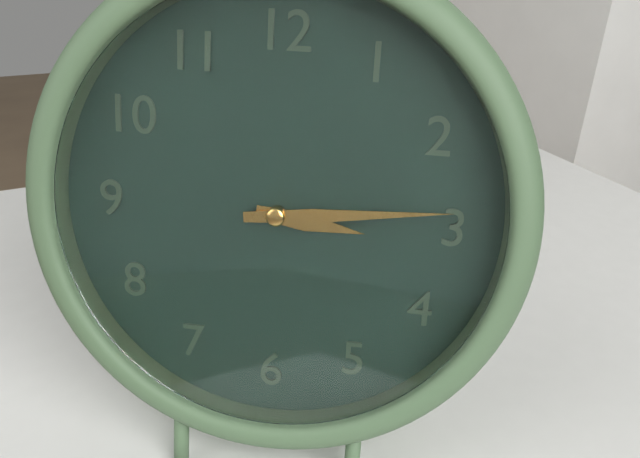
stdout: **3:14**
